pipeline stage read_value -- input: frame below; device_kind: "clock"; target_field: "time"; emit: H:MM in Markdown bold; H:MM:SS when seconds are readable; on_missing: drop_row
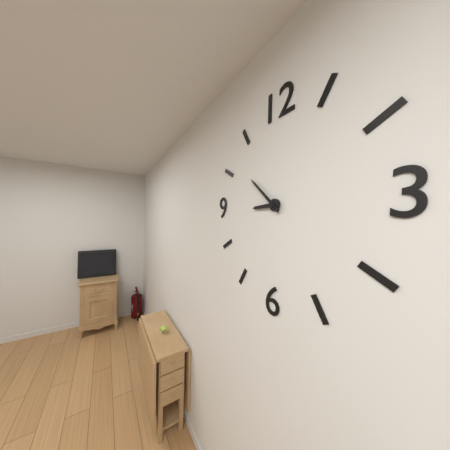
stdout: **8:52**
